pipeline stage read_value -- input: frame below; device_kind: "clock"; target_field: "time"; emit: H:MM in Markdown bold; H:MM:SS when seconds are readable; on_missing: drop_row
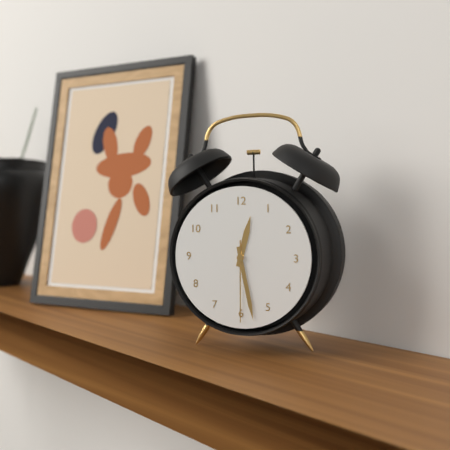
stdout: **12:28:30**
